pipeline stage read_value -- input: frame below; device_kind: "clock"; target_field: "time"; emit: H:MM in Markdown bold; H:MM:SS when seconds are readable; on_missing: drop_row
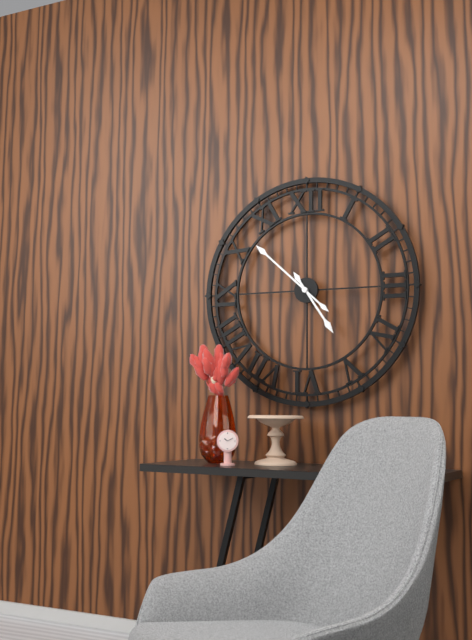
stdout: **4:52**
